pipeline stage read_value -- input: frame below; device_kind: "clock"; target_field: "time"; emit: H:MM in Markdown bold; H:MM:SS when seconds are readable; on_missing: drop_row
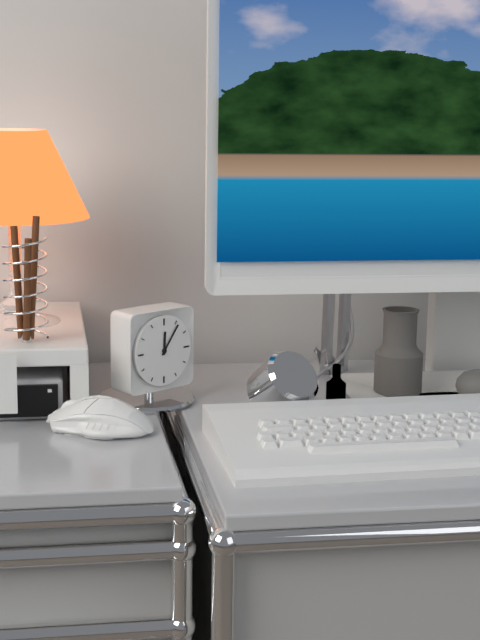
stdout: **12:06**
